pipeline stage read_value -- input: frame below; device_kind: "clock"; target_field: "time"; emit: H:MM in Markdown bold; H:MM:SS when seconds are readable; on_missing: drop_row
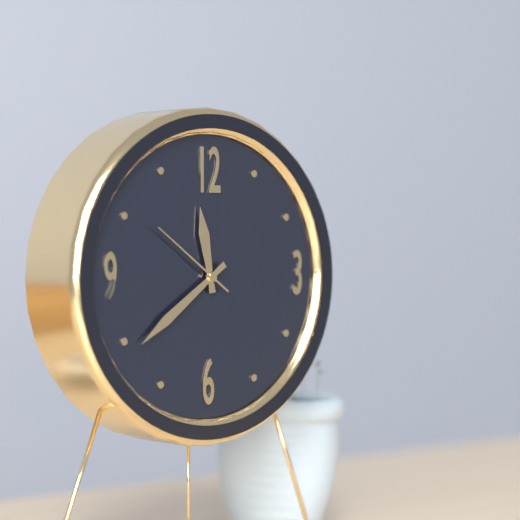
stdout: **11:39:51**
